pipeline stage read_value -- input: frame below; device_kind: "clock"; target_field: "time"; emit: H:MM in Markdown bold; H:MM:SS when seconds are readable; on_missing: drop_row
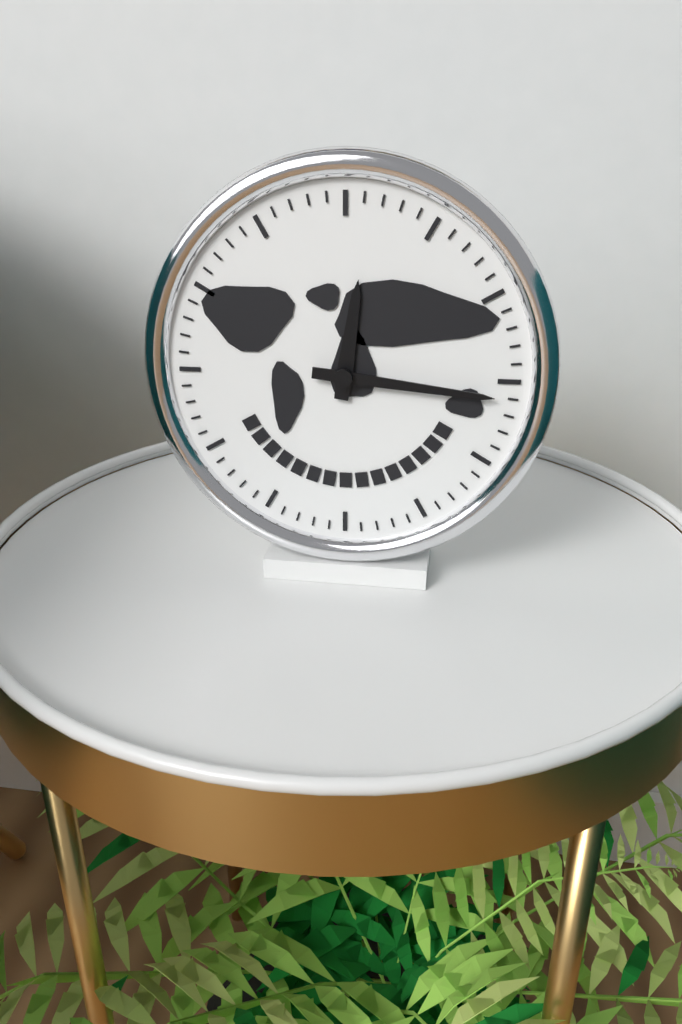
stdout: **12:16**
